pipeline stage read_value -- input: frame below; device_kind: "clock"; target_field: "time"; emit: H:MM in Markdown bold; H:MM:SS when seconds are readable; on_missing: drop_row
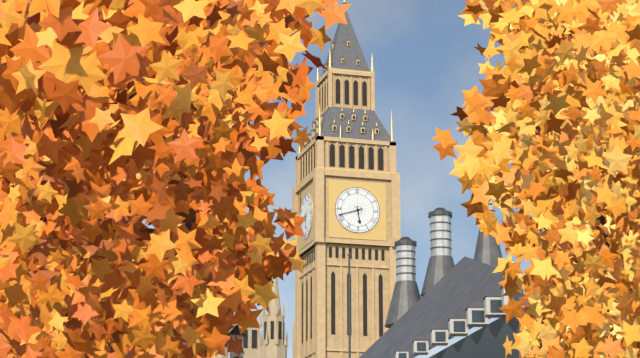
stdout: **5:42**
